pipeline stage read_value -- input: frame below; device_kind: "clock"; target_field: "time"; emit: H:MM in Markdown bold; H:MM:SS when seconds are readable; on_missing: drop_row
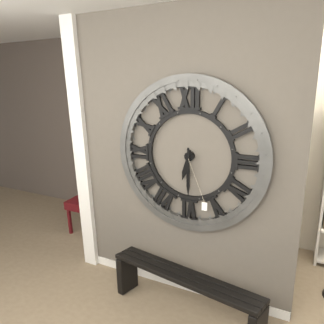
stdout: **6:30**
